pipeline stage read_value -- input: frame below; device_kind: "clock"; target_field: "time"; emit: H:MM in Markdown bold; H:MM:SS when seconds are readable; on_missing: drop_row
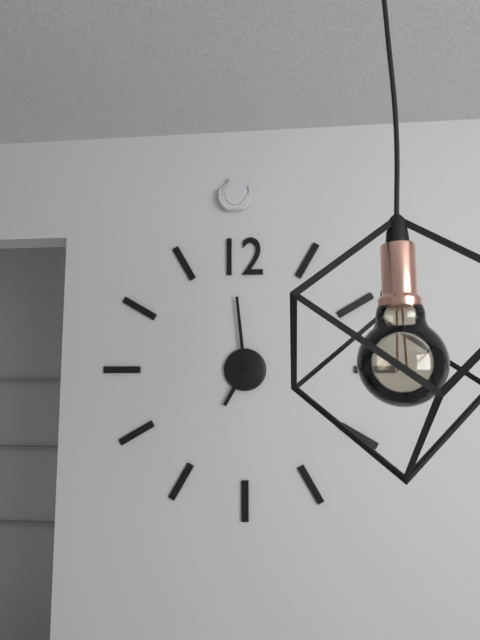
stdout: **6:59**
